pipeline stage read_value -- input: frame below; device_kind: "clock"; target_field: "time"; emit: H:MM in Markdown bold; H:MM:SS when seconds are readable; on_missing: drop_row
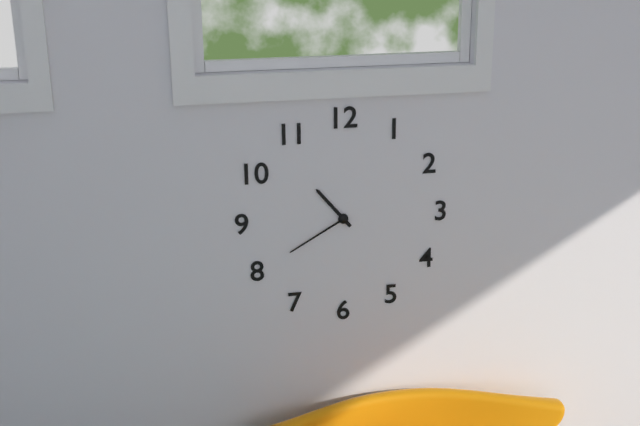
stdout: **10:40**
